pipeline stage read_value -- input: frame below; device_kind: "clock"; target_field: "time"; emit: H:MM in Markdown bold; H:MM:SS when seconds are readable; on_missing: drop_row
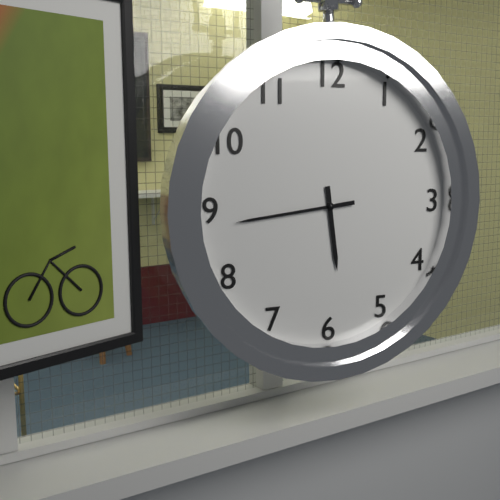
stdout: **5:44**
